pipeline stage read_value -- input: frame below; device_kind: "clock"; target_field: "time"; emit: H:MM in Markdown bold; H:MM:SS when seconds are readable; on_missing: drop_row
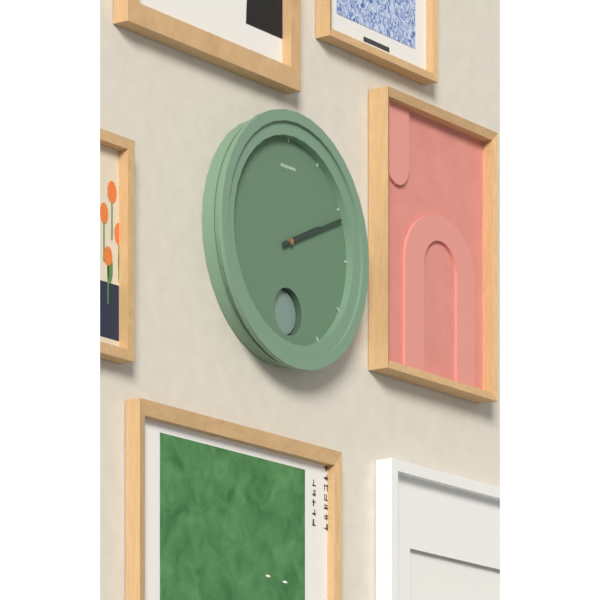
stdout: **2:11**
